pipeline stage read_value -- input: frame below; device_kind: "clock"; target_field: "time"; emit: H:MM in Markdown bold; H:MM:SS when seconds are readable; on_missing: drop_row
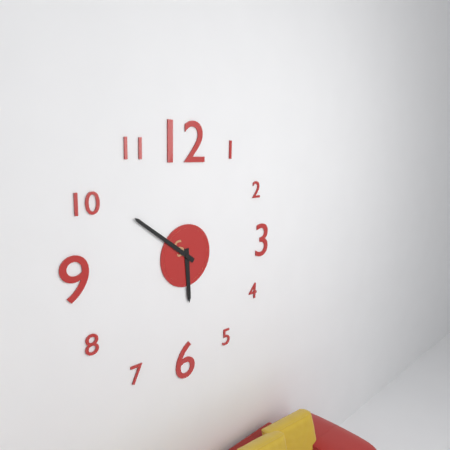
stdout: **5:51**
